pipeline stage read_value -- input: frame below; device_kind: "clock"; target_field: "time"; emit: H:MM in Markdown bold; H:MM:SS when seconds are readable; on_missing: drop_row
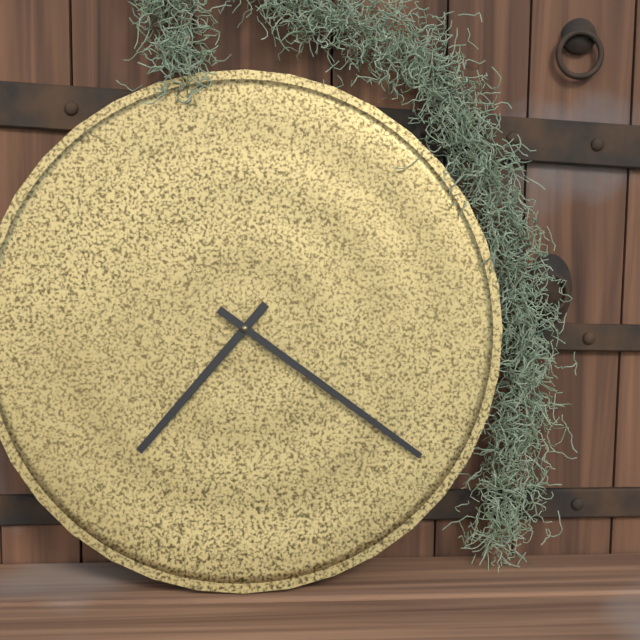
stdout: **7:21**
